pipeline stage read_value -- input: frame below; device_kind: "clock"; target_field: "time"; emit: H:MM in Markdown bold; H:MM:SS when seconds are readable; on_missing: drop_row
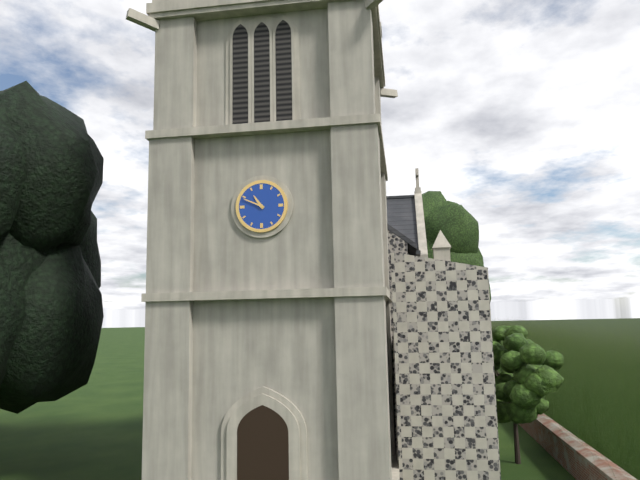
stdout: **10:49**
